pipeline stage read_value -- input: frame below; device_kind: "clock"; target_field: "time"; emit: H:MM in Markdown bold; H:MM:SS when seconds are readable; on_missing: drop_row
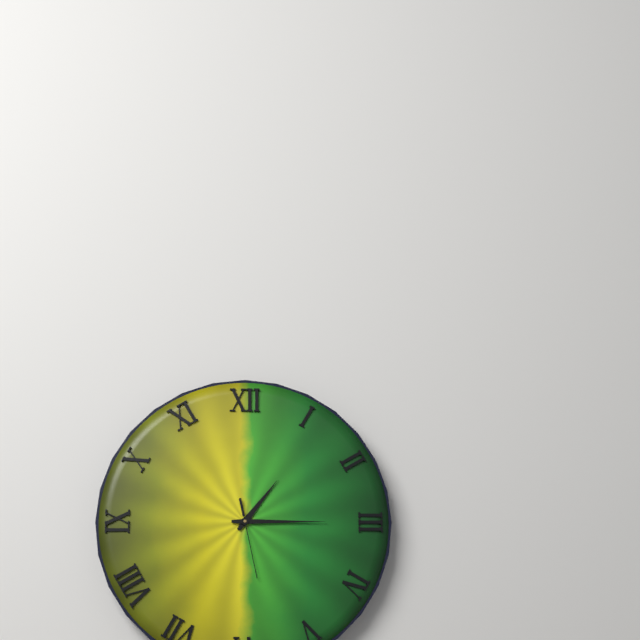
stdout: **1:15:28**
